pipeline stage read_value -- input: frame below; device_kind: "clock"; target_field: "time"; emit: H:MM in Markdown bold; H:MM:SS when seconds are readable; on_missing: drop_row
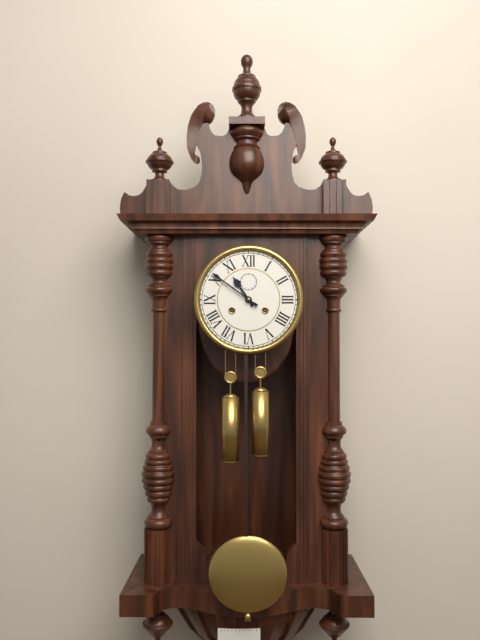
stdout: **10:51**
